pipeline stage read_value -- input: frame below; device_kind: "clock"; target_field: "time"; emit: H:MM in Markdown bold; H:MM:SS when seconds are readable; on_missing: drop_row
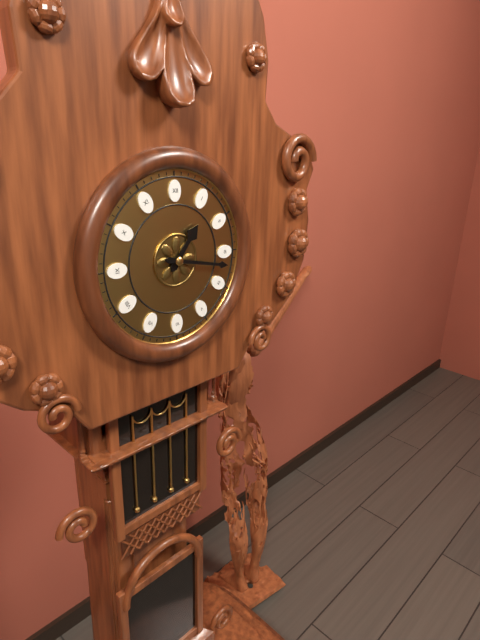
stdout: **1:17**
